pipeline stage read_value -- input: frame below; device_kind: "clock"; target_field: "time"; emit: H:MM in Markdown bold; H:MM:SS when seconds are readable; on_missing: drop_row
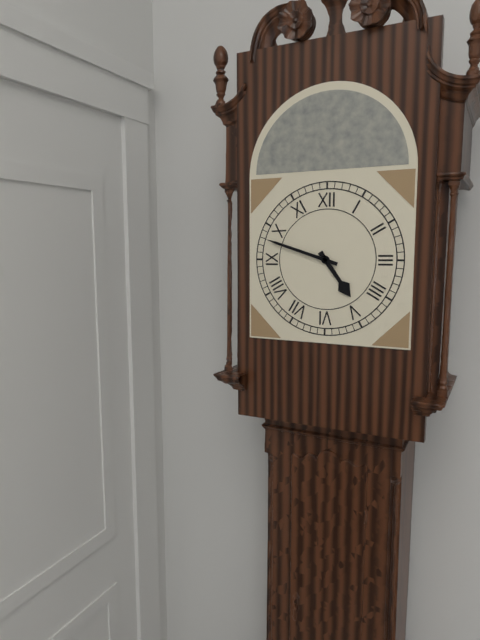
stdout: **4:48**
